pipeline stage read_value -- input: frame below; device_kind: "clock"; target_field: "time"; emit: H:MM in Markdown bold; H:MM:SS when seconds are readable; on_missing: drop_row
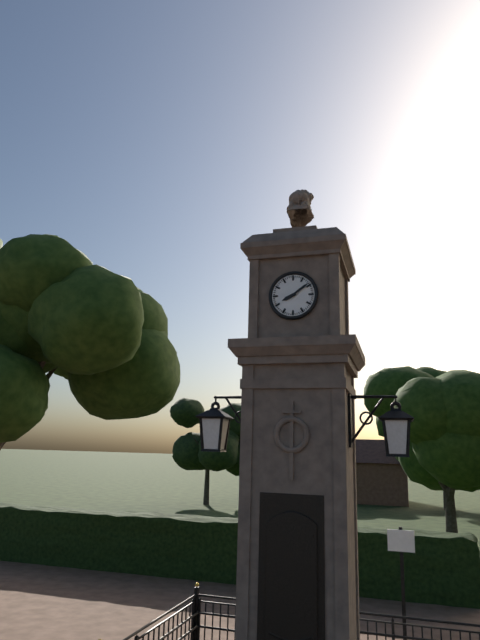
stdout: **8:09**
